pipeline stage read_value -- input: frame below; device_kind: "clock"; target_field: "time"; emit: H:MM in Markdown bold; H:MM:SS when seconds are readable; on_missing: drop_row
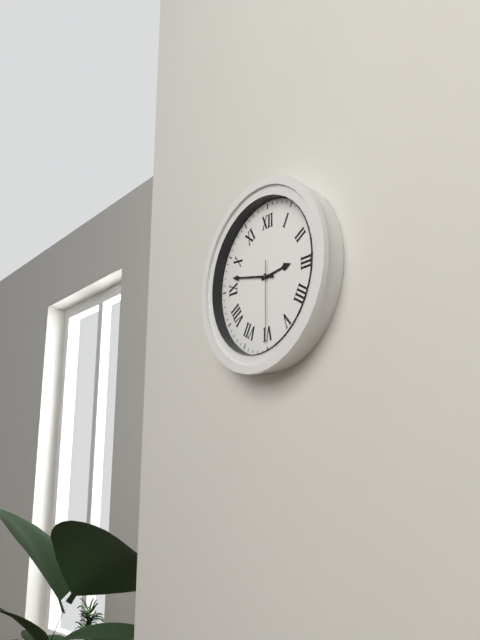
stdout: **2:47:30**
